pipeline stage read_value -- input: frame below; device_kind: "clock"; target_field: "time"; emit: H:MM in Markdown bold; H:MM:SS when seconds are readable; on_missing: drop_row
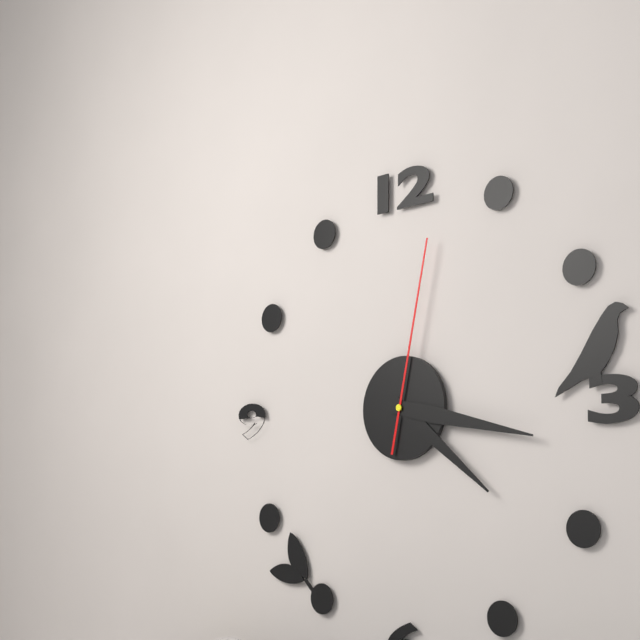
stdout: **4:17:02**
